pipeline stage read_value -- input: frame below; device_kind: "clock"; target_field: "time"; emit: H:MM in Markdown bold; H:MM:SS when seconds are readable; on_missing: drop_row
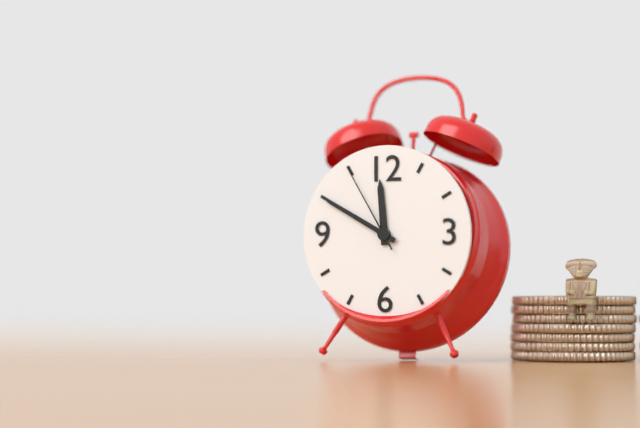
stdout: **11:50:55**
